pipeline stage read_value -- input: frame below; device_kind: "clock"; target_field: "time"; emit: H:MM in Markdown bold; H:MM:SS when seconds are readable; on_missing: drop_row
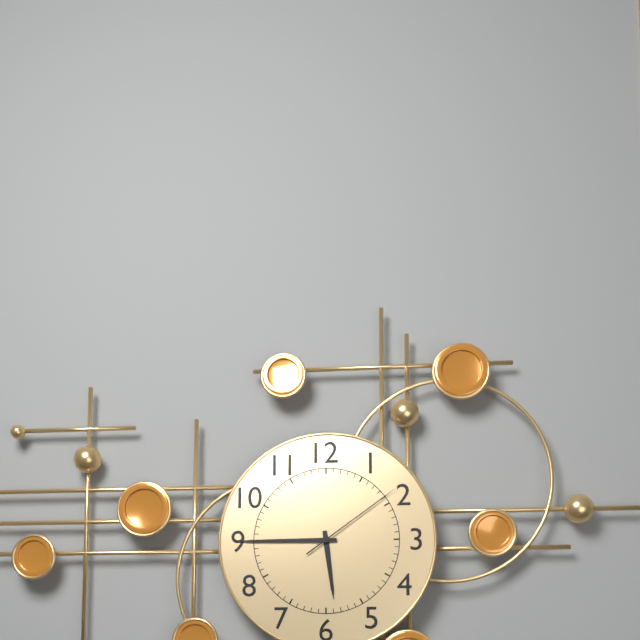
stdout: **5:45:09**
